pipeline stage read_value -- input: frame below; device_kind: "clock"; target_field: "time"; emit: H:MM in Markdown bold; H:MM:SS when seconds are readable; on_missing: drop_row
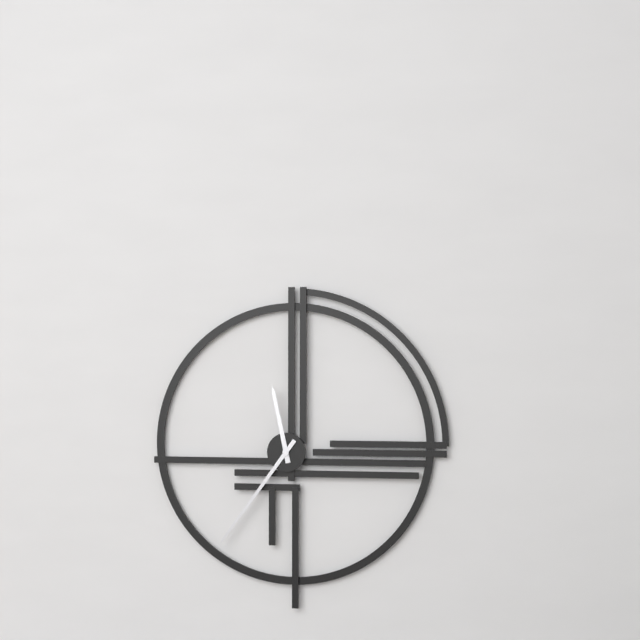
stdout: **11:36**
